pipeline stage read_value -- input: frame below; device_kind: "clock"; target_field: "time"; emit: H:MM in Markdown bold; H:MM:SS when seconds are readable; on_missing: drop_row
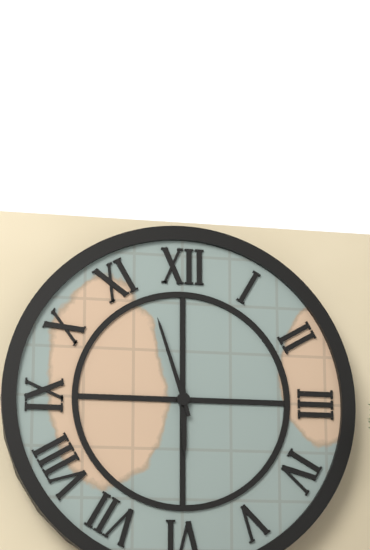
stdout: **5:57**
